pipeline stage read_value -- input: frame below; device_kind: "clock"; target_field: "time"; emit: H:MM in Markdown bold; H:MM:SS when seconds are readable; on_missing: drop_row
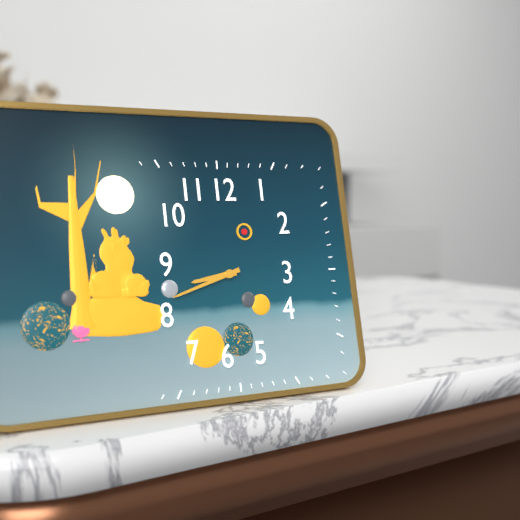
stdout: **8:42**
